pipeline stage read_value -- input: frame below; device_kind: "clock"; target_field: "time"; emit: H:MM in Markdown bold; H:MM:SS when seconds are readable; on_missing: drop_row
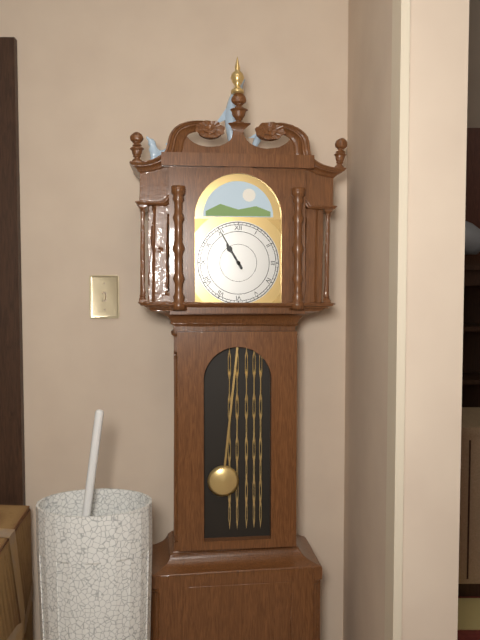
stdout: **10:55**
